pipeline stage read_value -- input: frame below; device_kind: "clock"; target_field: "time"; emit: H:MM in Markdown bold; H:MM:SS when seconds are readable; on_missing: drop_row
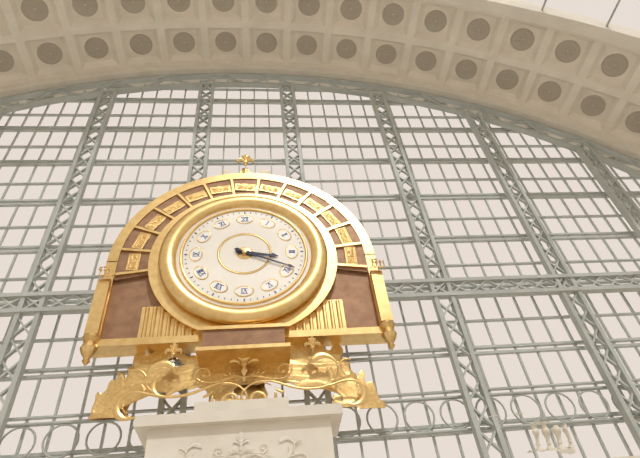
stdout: **3:19**
